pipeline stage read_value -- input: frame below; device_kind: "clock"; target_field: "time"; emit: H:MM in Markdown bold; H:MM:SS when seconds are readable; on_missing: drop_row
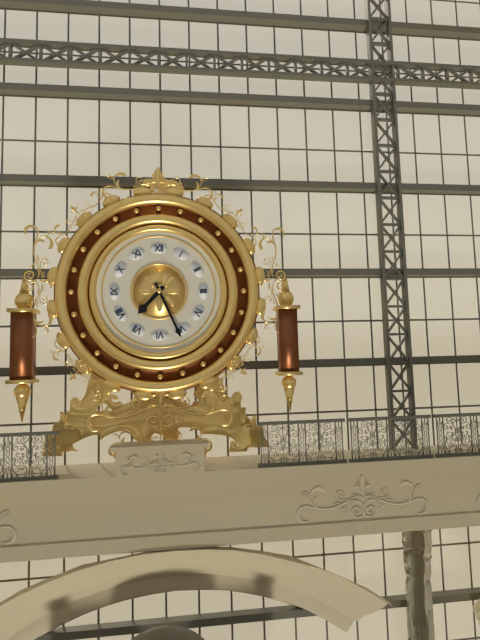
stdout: **7:26**
